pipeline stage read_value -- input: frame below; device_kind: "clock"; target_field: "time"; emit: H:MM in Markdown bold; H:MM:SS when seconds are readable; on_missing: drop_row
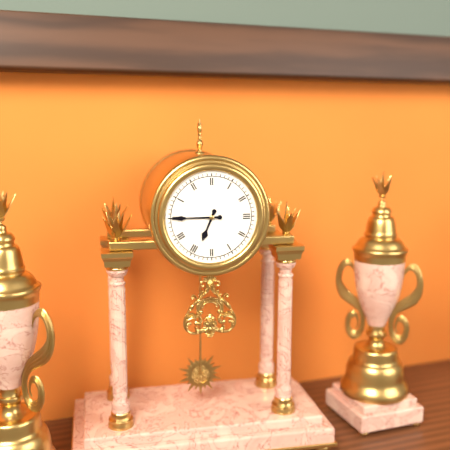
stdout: **6:45**
